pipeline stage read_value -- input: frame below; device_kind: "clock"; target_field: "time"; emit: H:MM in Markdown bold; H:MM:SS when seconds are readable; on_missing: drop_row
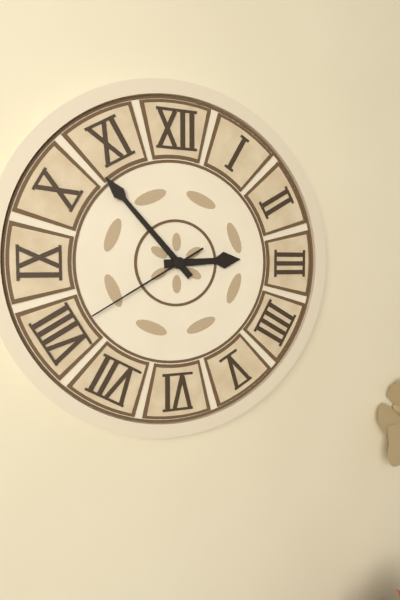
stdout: **2:53:40**
